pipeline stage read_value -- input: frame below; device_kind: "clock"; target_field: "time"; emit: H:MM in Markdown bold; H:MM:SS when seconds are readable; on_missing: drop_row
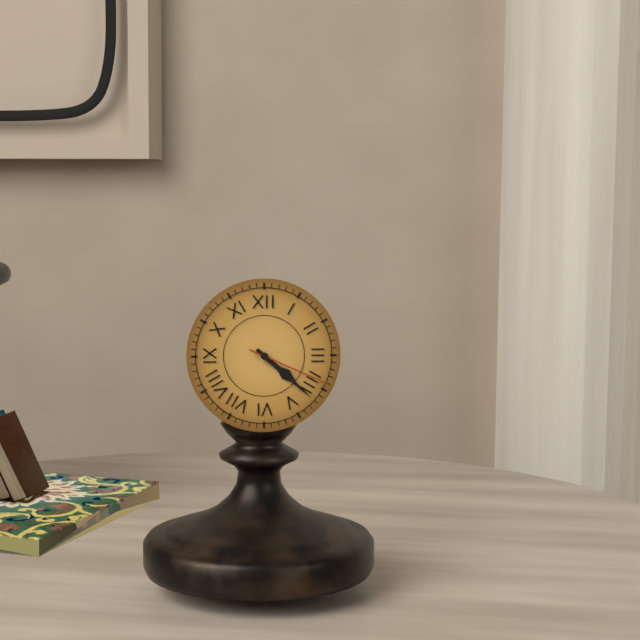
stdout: **4:22:19**
